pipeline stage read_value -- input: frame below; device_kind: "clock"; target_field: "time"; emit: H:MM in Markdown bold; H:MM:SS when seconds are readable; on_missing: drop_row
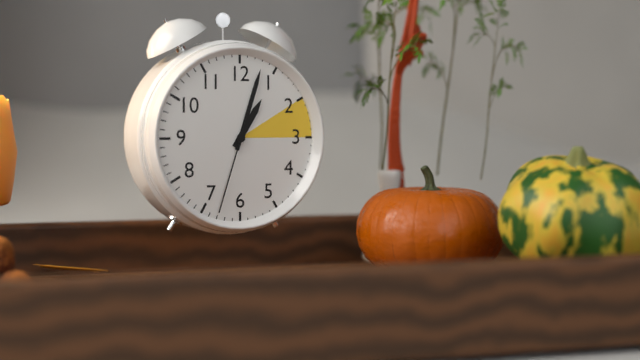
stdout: **1:03:33**
